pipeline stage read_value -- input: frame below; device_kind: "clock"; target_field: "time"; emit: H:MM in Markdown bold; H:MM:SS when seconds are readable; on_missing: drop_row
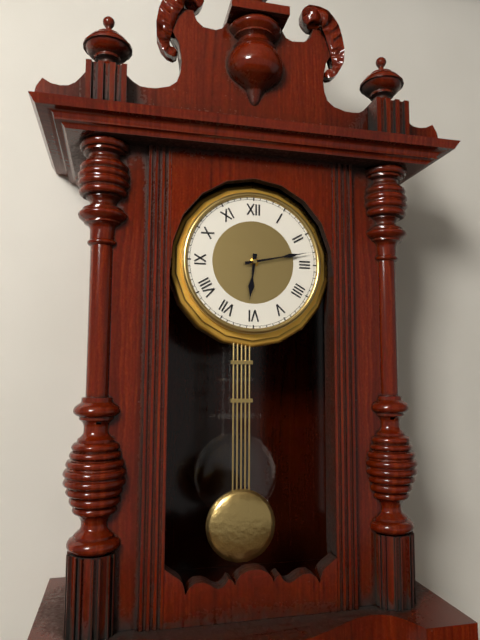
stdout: **6:13**
